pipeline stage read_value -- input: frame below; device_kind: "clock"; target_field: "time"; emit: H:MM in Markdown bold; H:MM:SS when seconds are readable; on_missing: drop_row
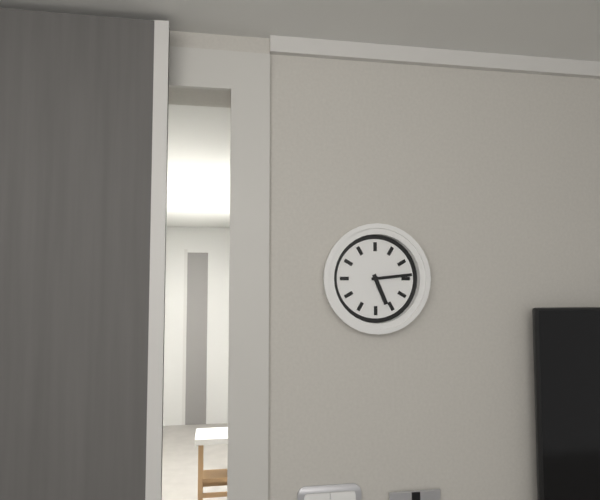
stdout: **5:14**
